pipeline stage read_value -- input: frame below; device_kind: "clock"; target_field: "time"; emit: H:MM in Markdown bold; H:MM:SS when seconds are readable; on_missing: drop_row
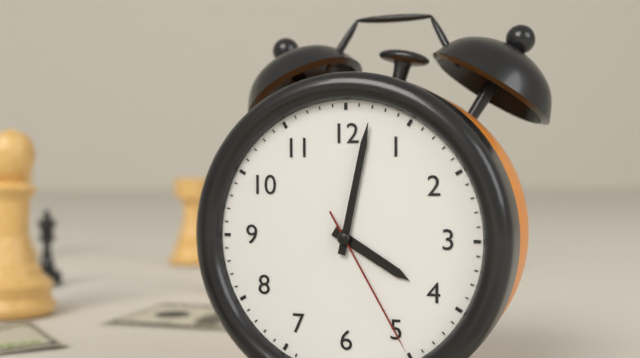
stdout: **4:02:25**
